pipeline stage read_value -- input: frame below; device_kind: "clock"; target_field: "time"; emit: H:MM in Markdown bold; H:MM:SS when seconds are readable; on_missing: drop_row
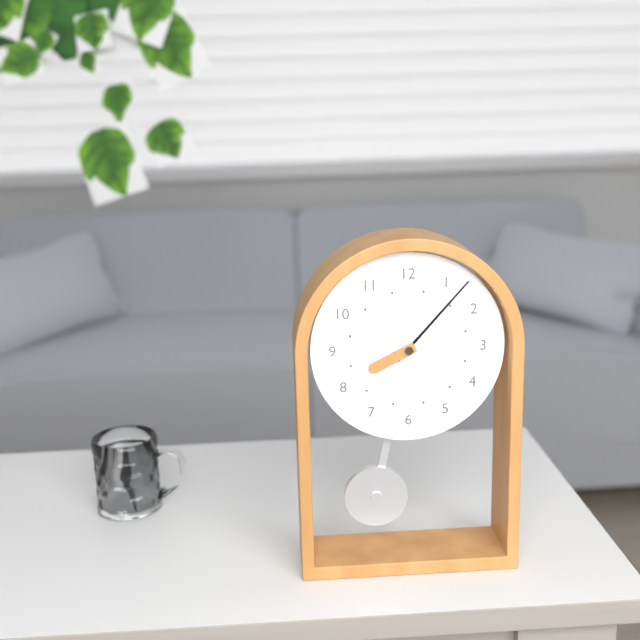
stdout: **8:07**
